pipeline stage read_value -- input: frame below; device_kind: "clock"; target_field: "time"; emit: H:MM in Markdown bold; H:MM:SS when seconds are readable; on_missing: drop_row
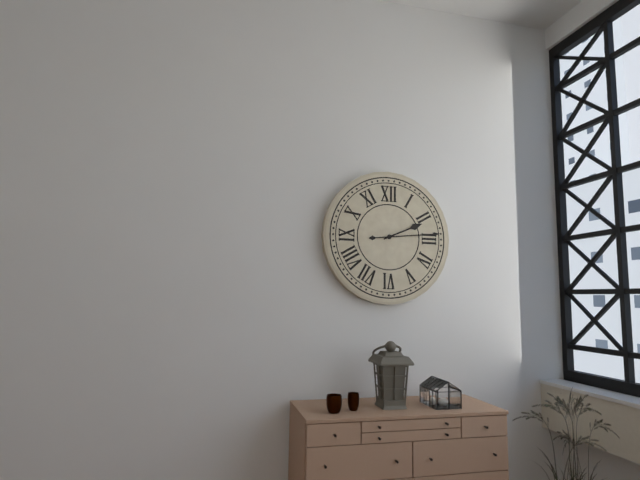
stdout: **2:14**
